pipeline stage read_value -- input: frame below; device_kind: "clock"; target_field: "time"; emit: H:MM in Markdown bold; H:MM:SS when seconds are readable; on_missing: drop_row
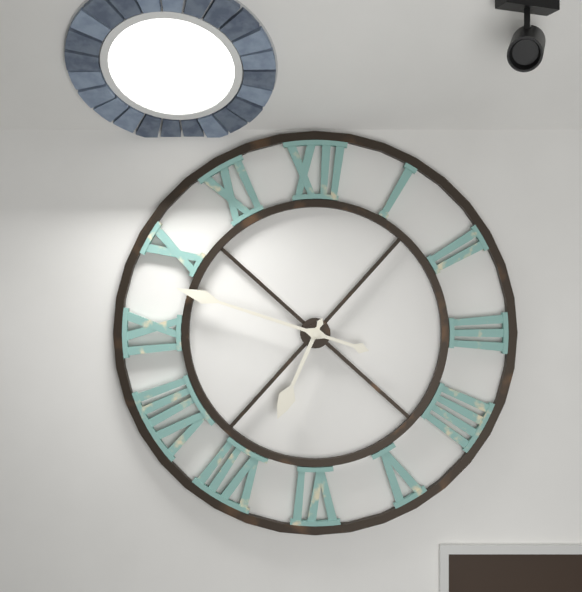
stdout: **6:48**
